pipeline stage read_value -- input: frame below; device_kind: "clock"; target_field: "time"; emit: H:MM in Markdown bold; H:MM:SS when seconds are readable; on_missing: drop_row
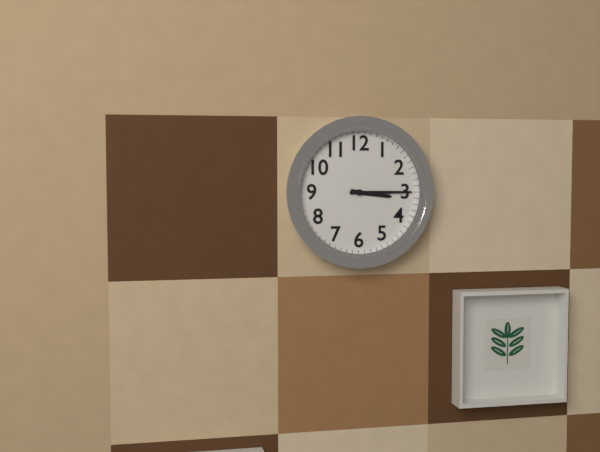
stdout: **3:15**
